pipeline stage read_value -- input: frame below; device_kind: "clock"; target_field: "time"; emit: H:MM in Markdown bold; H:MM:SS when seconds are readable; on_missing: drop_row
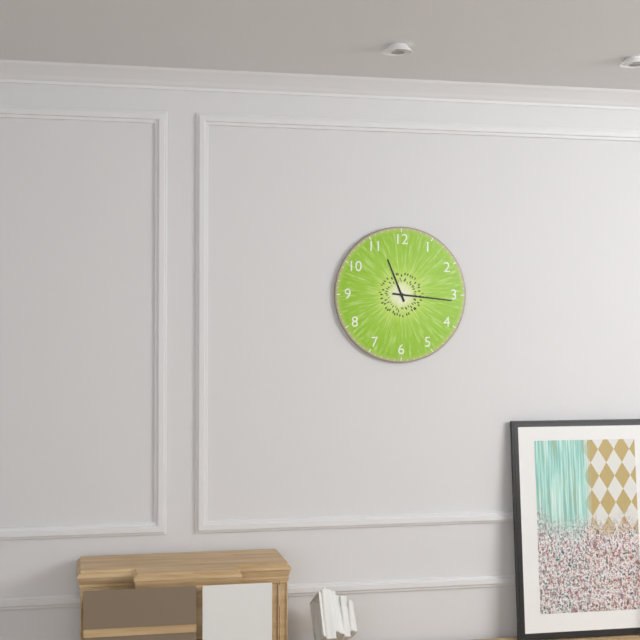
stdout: **11:16**
